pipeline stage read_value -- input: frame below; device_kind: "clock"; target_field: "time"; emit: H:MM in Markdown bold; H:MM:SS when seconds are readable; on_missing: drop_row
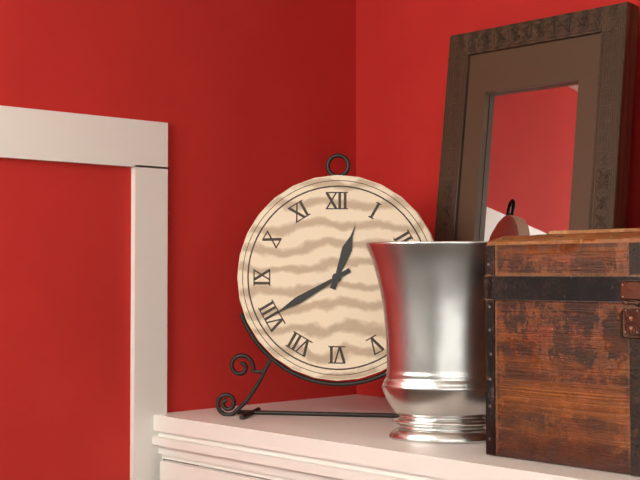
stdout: **12:40**
